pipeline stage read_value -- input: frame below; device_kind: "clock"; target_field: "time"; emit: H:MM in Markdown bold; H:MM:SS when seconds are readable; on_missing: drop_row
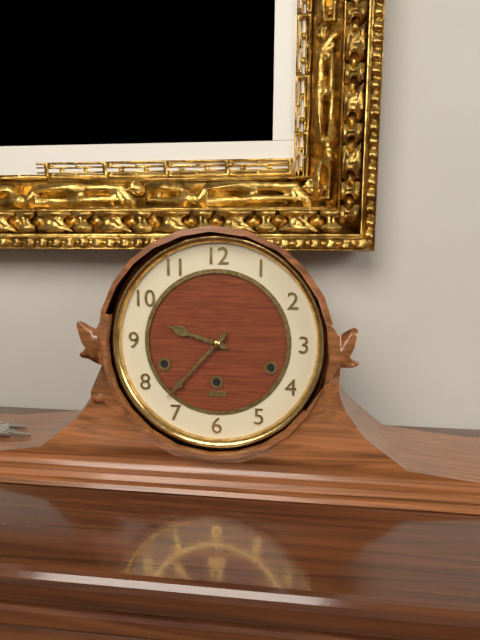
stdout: **9:37**
